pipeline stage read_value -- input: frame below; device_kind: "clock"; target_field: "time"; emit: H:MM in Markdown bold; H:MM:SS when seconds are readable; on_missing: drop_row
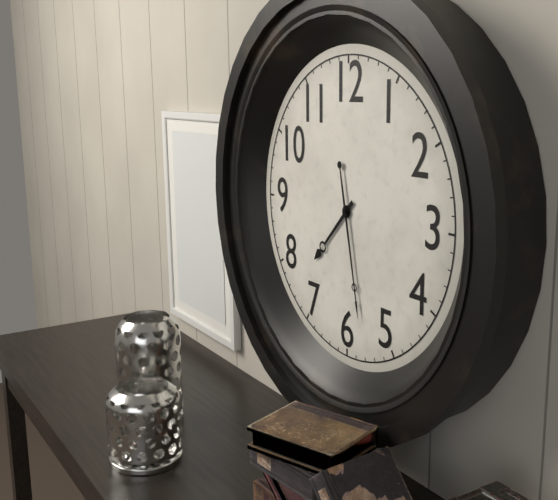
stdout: **7:28**
